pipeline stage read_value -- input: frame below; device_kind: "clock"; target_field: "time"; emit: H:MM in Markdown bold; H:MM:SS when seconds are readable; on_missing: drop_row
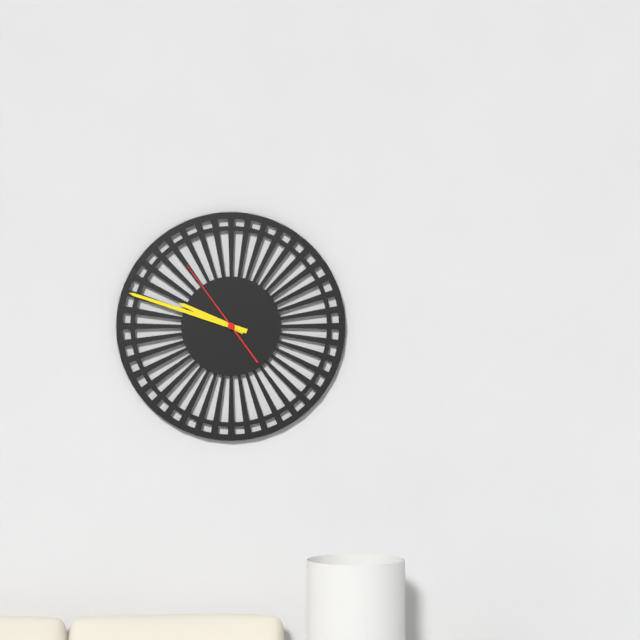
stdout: **9:48:54**
